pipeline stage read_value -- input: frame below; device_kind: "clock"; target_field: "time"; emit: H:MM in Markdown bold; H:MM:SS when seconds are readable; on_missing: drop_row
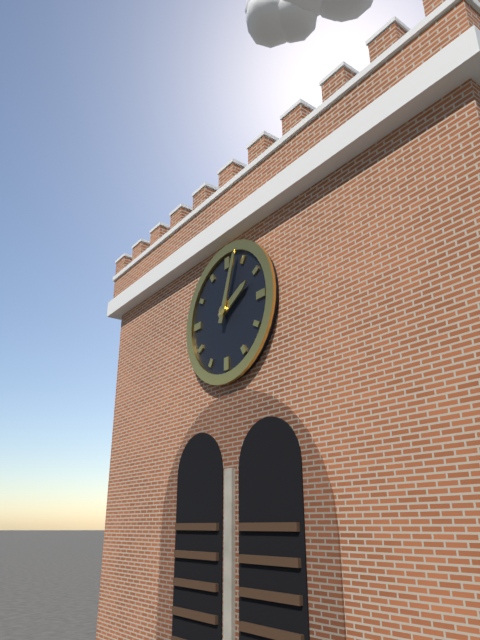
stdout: **2:03**
